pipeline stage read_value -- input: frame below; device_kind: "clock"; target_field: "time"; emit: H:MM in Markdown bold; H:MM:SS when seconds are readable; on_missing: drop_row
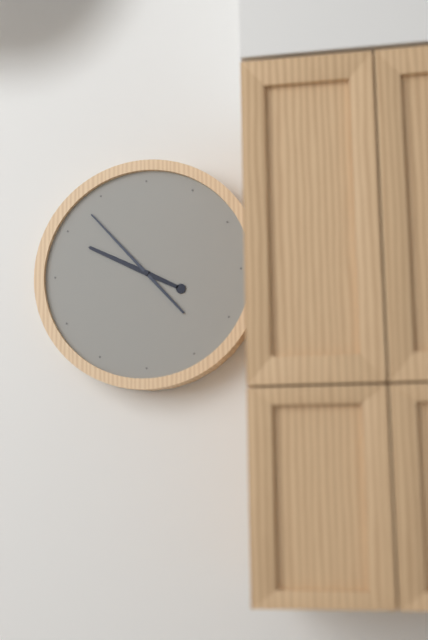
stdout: **9:53**
